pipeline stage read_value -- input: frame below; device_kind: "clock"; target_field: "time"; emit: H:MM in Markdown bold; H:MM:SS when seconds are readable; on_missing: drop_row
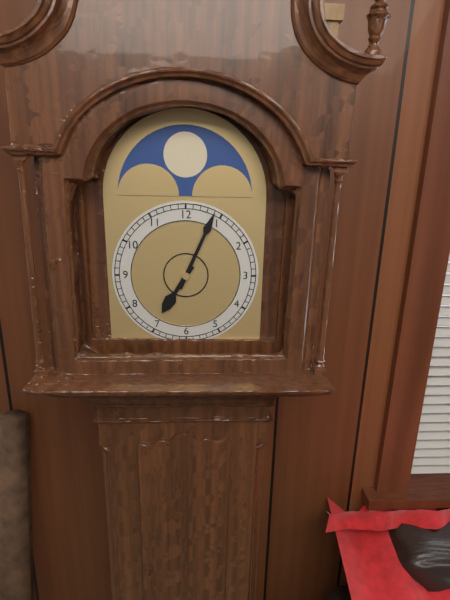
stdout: **7:04**
